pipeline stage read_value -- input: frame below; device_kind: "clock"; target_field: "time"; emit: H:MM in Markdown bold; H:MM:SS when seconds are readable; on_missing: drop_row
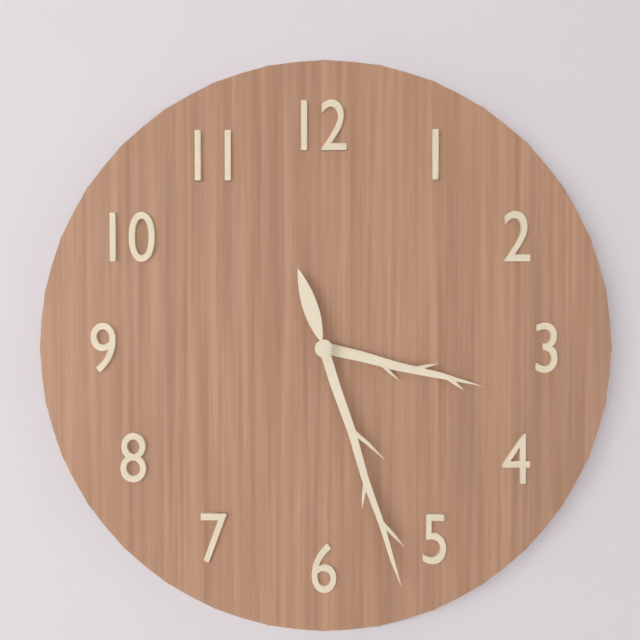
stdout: **3:27**
